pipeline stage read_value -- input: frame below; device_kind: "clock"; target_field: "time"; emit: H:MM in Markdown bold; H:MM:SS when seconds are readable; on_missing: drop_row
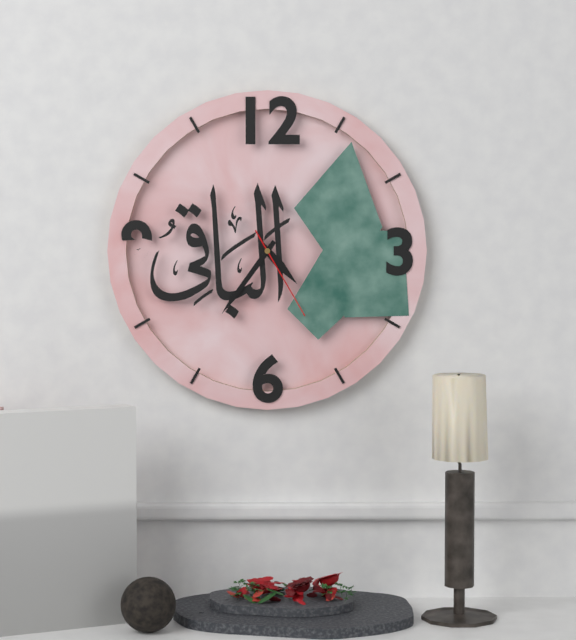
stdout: **4:36:25**
